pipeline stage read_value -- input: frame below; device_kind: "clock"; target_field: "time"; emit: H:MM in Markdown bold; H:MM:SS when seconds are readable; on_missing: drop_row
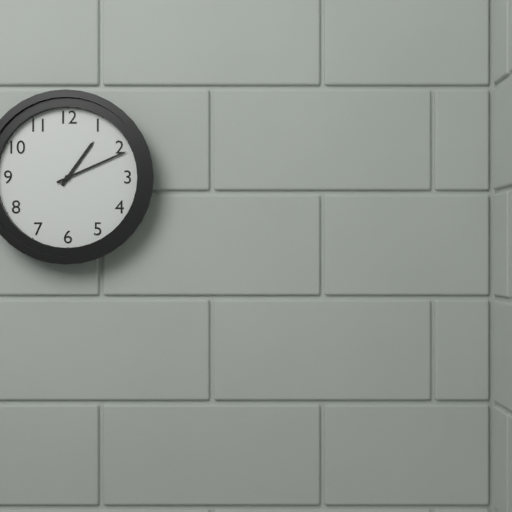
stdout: **1:11**
